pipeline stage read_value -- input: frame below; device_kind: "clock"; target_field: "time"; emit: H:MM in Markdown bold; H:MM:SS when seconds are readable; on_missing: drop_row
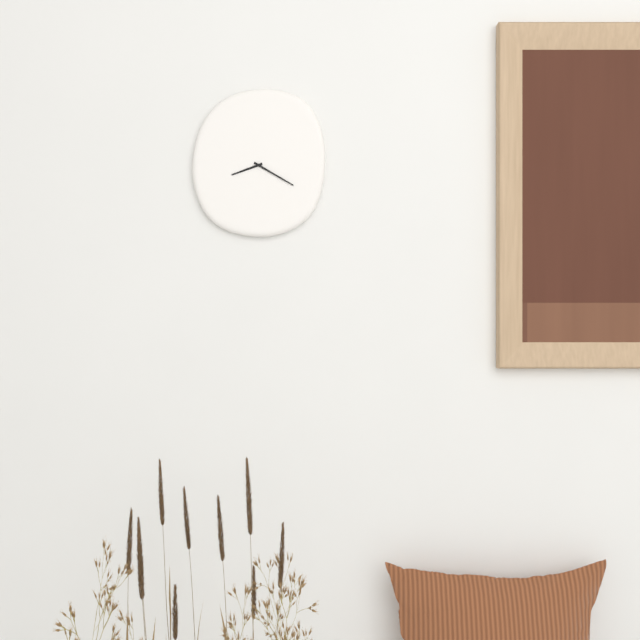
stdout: **8:20**
